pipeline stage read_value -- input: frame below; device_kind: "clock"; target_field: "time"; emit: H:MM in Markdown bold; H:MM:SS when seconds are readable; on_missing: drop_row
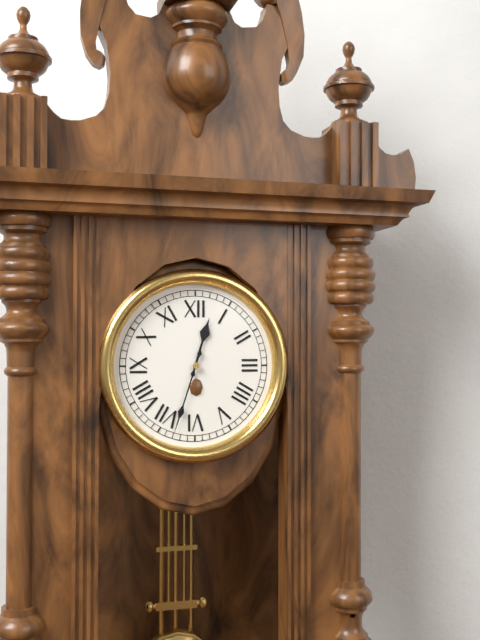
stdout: **12:33**
